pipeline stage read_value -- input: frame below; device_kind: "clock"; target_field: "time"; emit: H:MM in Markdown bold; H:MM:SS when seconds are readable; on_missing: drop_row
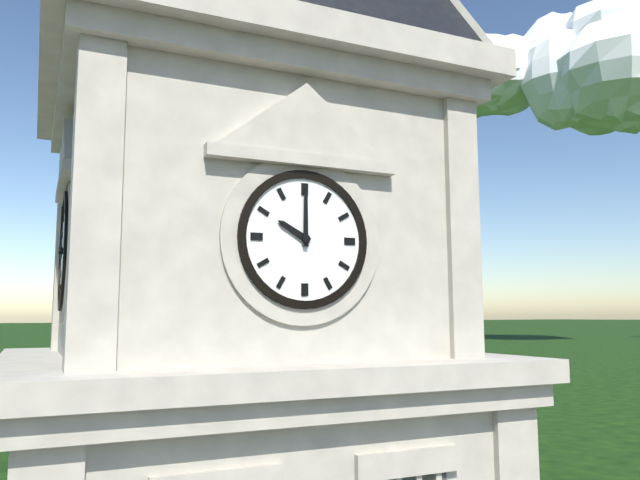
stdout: **10:00**
